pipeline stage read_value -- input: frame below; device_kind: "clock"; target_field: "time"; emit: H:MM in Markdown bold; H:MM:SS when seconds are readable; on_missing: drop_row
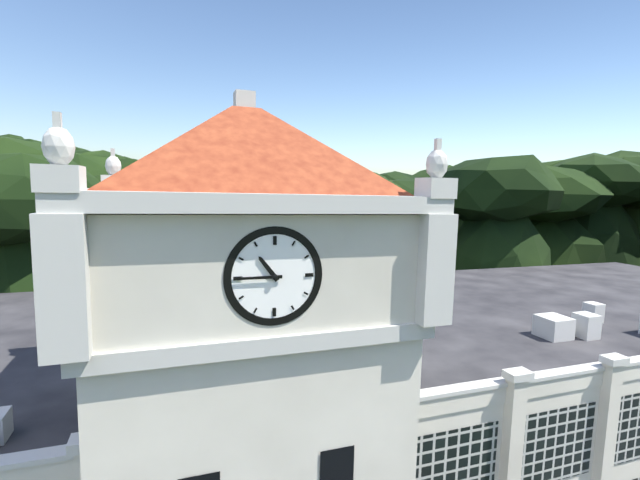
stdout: **10:45**
